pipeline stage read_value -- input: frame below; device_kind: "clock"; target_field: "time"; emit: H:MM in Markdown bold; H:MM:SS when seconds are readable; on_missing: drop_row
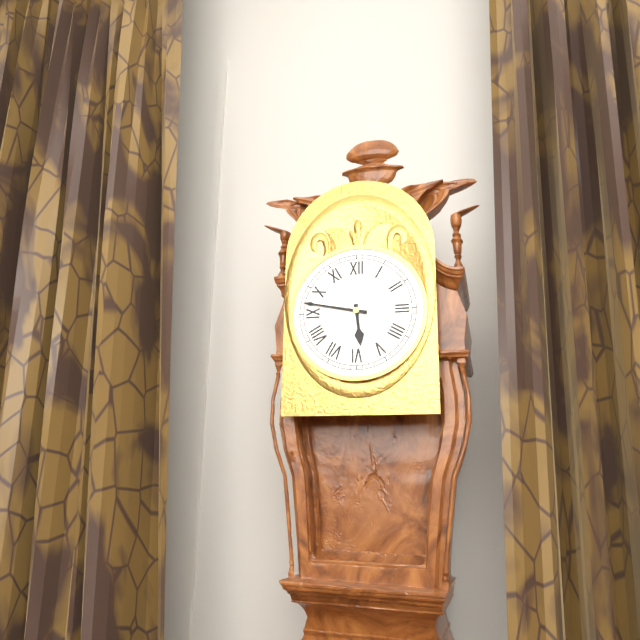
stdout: **5:47**
